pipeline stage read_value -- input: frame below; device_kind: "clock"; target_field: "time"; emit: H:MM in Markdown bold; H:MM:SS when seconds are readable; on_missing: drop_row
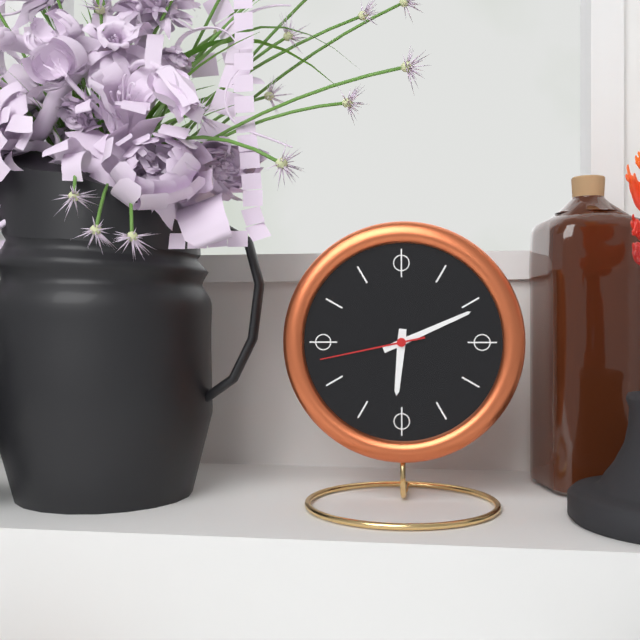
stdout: **6:11:43**
